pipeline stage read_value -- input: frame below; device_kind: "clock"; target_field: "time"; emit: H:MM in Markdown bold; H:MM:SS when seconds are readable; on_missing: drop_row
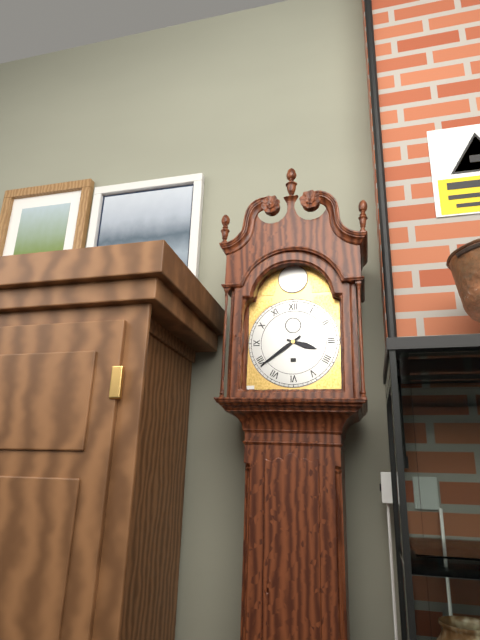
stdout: **3:39**
